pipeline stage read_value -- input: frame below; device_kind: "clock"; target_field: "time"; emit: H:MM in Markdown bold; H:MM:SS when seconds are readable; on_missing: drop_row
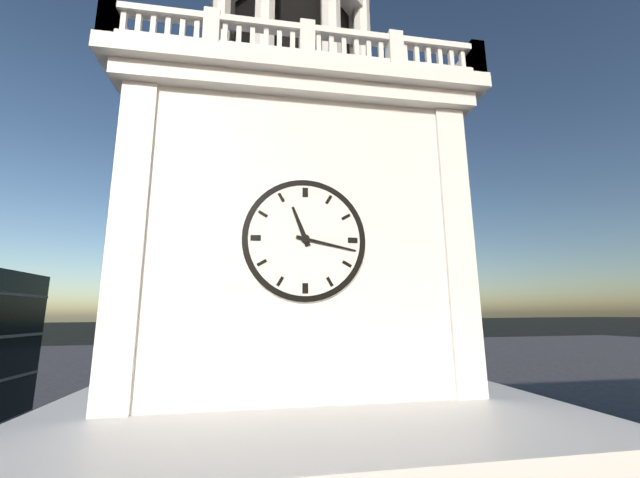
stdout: **11:17**
